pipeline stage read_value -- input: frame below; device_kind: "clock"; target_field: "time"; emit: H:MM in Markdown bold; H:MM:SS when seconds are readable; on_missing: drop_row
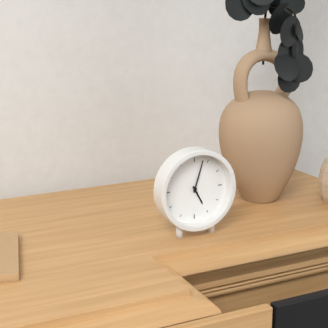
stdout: **5:03**
